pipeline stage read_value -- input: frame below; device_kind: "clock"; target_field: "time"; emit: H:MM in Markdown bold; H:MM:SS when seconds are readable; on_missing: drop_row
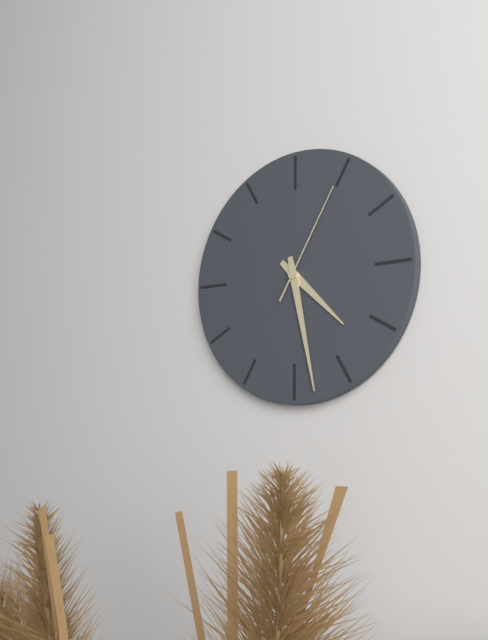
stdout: **4:28:05**
